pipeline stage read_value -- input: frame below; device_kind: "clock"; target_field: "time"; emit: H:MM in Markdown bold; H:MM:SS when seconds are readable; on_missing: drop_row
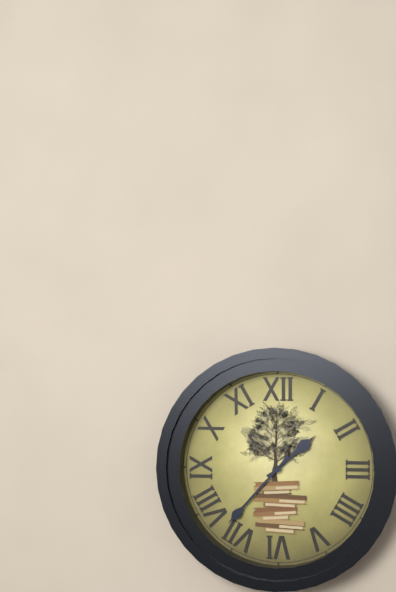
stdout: **1:37**
